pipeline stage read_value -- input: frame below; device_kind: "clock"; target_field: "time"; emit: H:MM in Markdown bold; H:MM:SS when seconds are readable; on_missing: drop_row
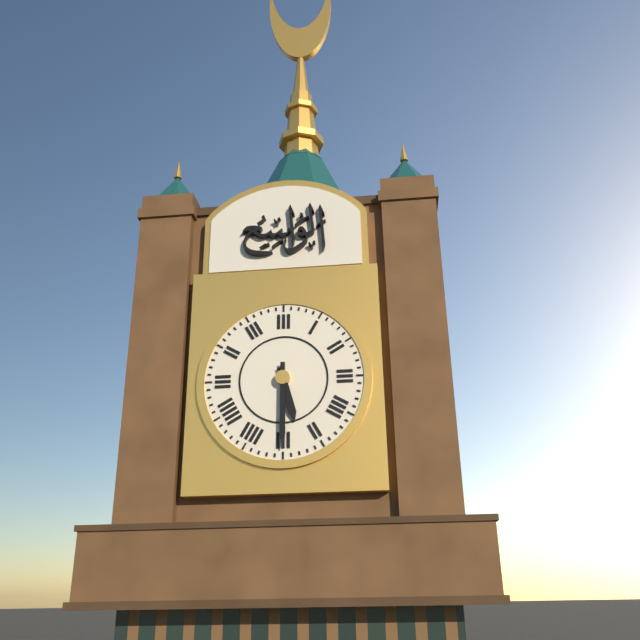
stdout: **5:30**
